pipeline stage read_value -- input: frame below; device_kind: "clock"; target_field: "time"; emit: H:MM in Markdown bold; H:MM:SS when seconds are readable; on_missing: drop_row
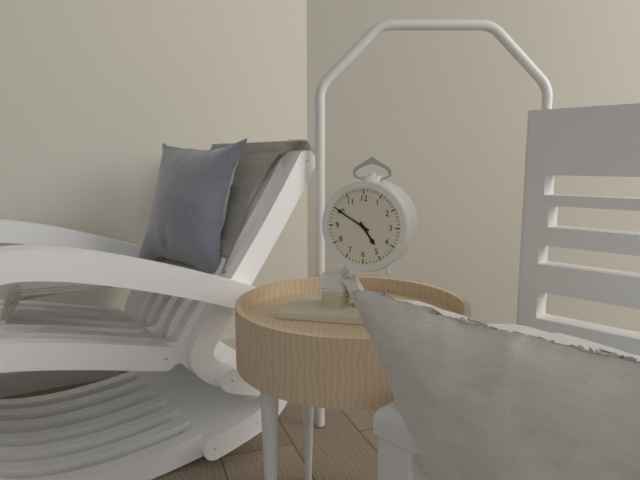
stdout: **4:50**
